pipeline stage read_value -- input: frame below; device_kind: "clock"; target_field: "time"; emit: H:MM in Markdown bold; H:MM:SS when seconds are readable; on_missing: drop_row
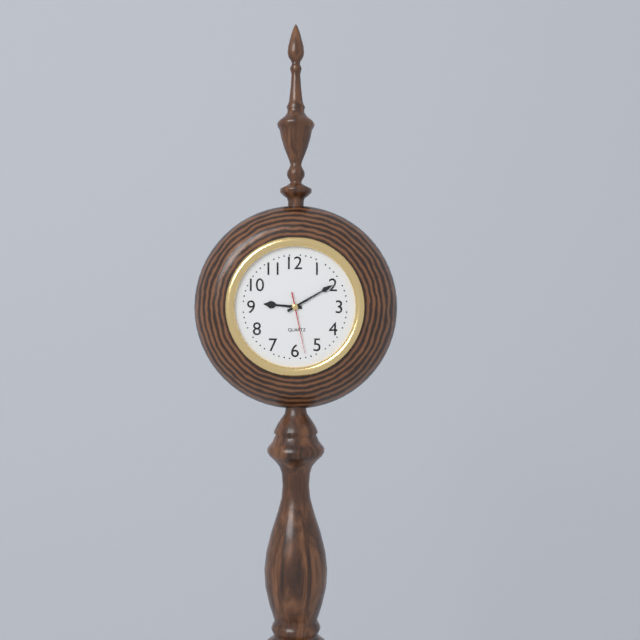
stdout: **9:10:28**
